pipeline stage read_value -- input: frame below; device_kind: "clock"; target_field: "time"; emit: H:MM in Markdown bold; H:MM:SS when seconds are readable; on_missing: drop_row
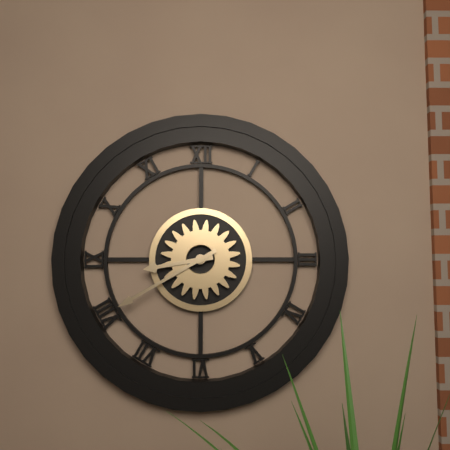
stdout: **8:40**
